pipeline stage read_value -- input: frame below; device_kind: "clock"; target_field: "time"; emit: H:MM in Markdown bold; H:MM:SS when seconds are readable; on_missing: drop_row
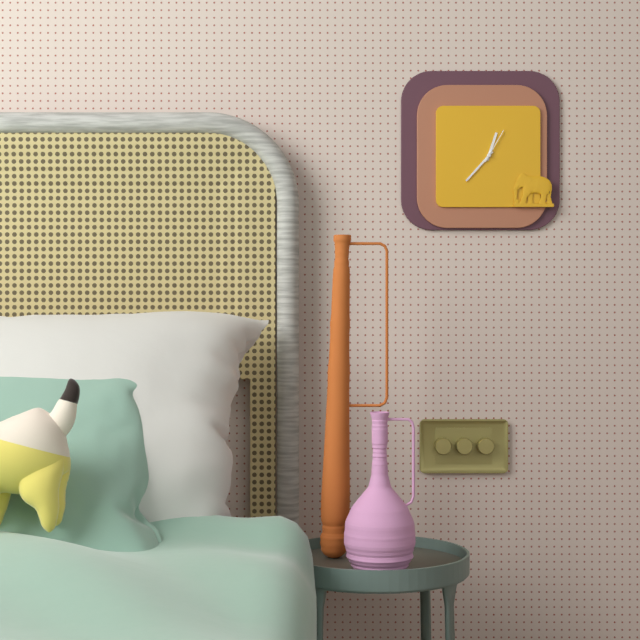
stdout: **12:37**
